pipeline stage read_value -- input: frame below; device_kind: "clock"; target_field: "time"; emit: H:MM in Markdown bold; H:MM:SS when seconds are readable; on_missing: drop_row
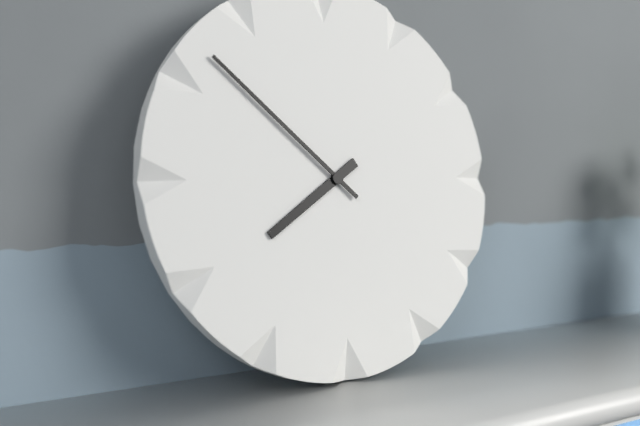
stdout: **7:52**
